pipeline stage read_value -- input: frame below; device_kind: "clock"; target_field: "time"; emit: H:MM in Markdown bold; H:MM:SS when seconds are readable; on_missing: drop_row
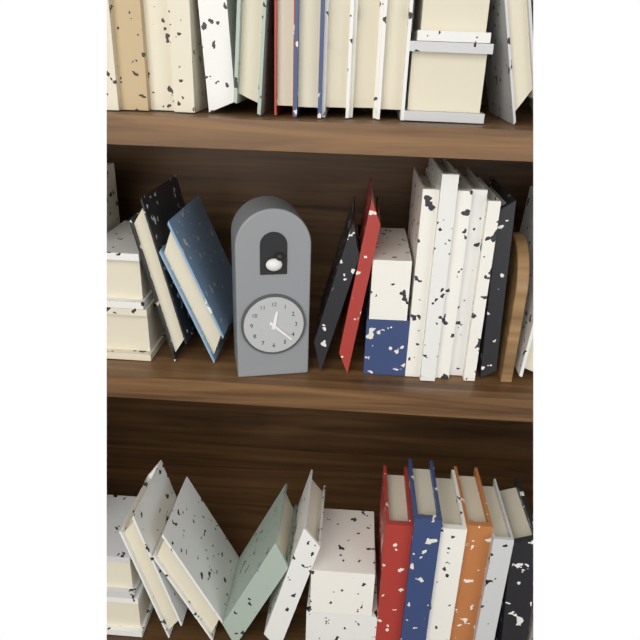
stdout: **12:22**
